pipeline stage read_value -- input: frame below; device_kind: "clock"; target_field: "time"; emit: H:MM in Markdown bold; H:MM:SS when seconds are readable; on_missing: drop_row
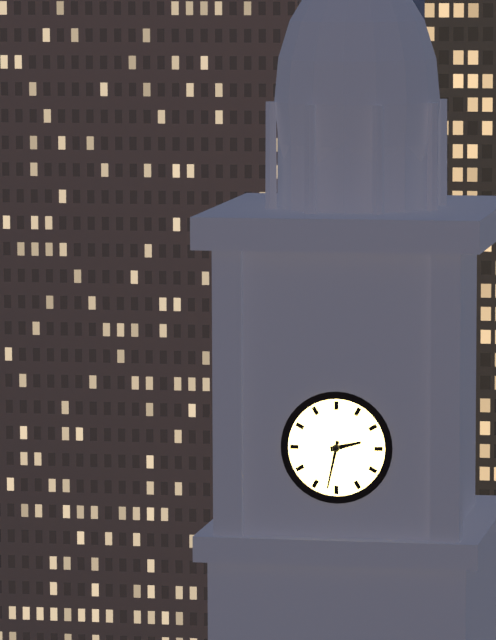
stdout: **2:32**
